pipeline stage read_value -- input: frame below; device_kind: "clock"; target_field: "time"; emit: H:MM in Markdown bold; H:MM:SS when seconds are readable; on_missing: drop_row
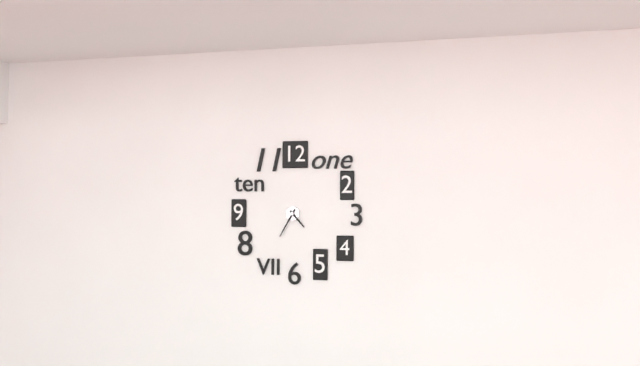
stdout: **4:35**
